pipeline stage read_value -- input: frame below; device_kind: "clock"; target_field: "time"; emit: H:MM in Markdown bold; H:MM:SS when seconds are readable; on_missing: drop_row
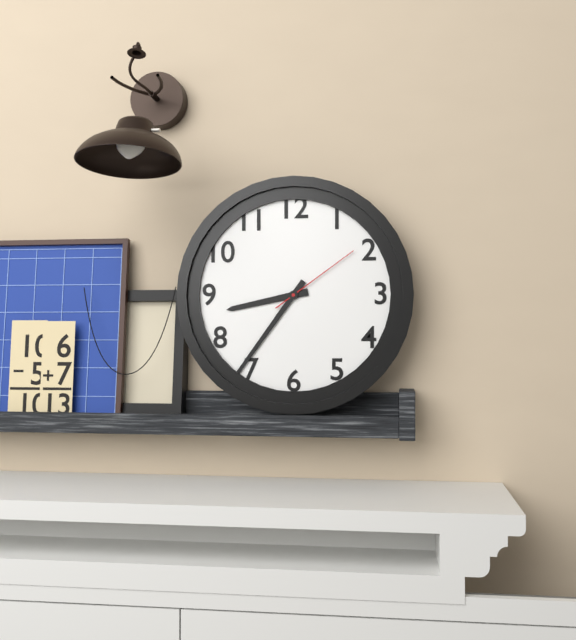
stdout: **8:36:09**
